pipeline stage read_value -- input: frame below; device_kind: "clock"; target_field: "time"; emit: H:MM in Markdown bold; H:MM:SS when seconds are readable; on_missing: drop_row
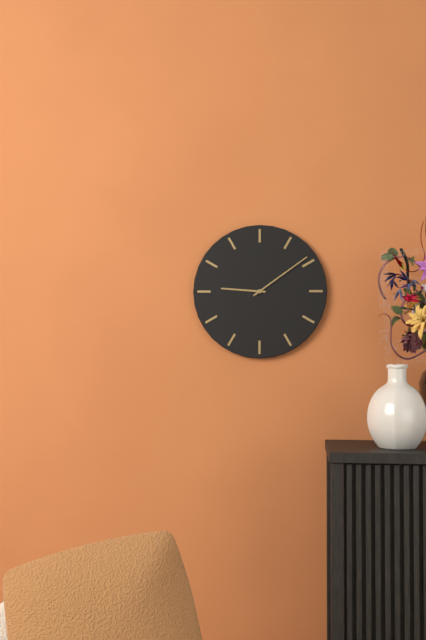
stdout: **9:09**
